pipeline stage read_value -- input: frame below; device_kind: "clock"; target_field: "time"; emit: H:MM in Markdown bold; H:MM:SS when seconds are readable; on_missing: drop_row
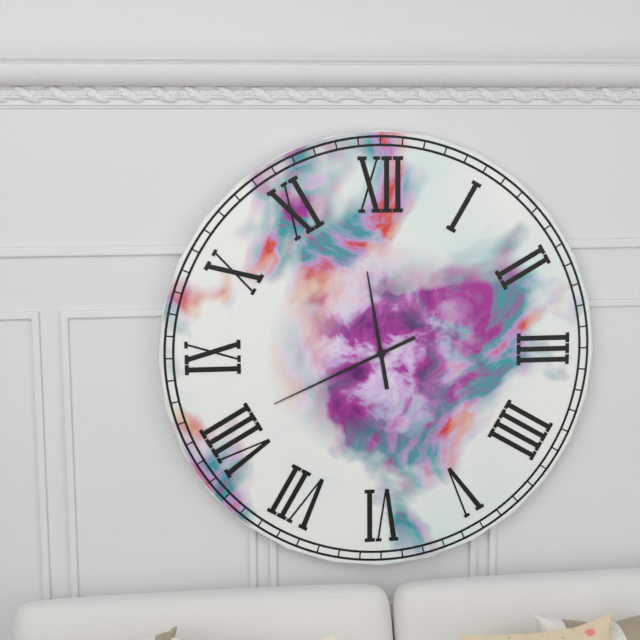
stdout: **11:41**
